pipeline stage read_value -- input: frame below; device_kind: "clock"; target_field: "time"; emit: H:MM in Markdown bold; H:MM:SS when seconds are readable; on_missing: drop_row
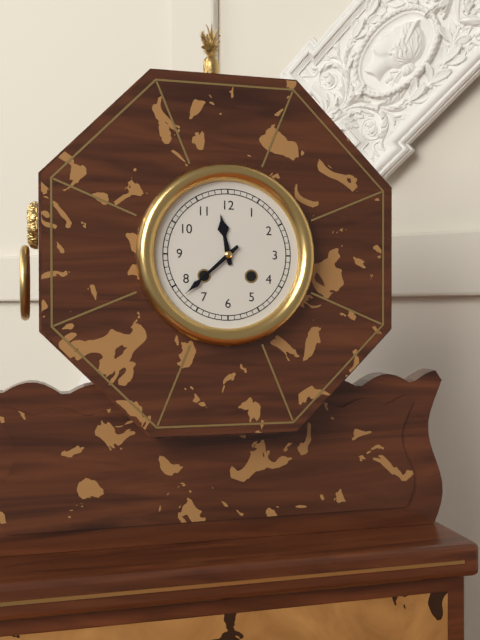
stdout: **11:38**
